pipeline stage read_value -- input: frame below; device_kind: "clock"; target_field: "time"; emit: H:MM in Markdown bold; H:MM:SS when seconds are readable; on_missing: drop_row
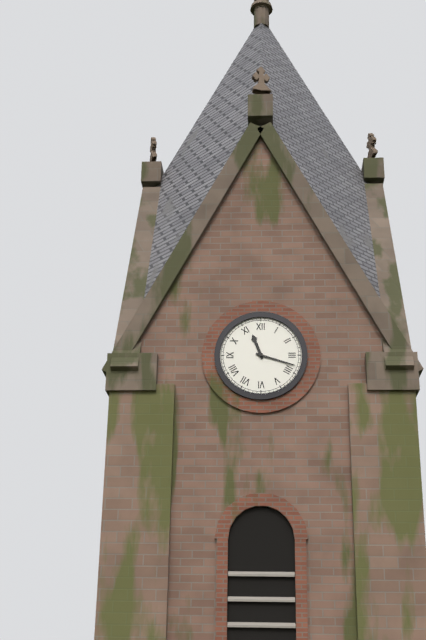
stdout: **11:18**
